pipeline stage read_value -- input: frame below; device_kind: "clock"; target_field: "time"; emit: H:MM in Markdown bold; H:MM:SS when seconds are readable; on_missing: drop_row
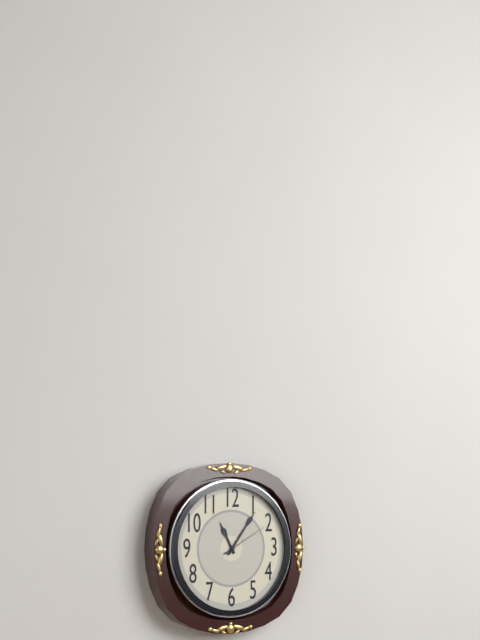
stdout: **11:06:10**
